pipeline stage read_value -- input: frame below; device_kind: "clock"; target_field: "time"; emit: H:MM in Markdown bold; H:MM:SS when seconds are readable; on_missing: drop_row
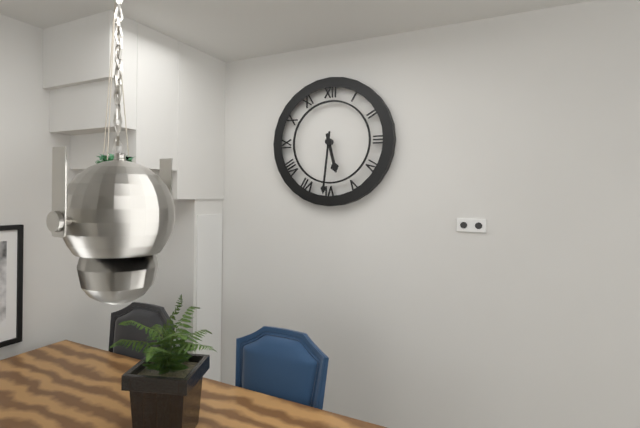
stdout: **5:31**
